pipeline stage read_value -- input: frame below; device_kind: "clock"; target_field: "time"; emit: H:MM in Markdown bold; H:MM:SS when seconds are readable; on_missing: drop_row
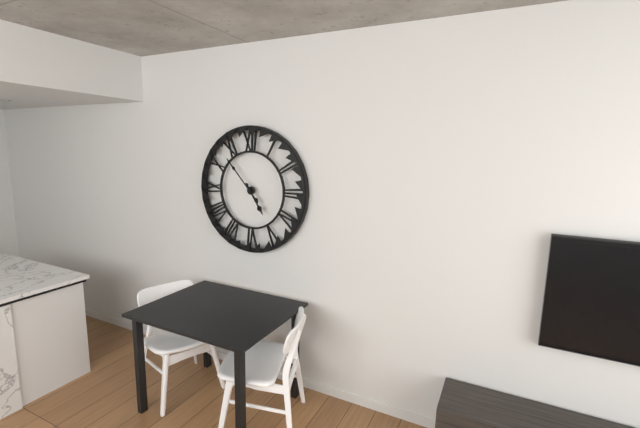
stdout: **4:53**
